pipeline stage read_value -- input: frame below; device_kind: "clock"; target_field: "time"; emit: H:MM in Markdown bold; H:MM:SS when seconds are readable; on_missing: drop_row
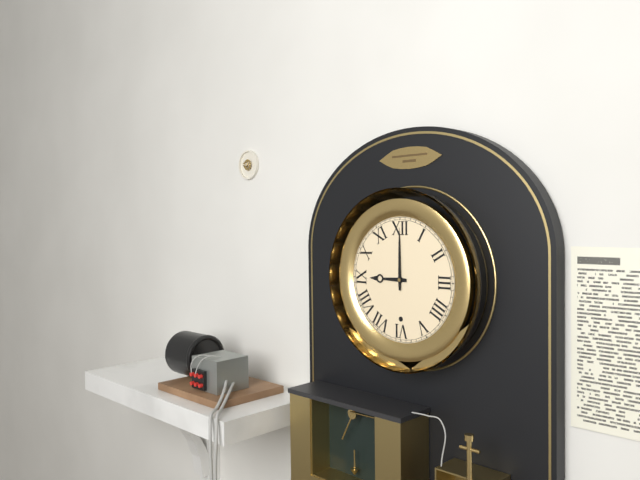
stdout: **9:00**
